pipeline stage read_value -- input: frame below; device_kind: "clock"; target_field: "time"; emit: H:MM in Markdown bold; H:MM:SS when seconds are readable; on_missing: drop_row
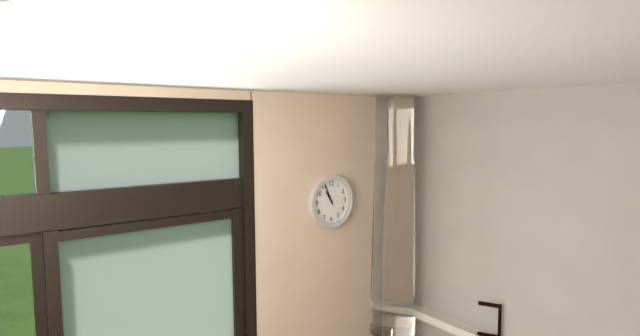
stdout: **10:56**
